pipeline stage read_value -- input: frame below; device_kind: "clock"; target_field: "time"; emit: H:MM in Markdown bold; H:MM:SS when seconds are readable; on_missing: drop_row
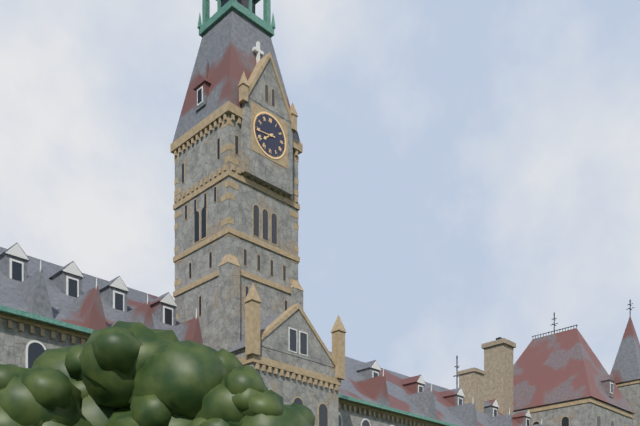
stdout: **7:44**
